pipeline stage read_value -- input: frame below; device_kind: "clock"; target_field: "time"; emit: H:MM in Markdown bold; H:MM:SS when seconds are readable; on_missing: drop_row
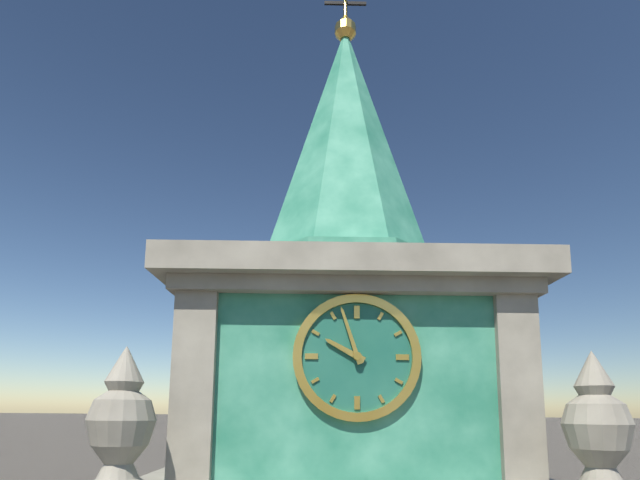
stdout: **9:57**
